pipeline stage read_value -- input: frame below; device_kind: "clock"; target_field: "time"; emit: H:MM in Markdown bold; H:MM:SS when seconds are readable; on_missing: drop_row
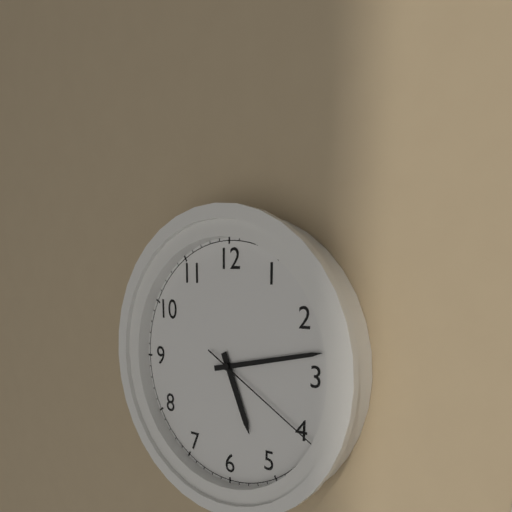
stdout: **5:13:20**
